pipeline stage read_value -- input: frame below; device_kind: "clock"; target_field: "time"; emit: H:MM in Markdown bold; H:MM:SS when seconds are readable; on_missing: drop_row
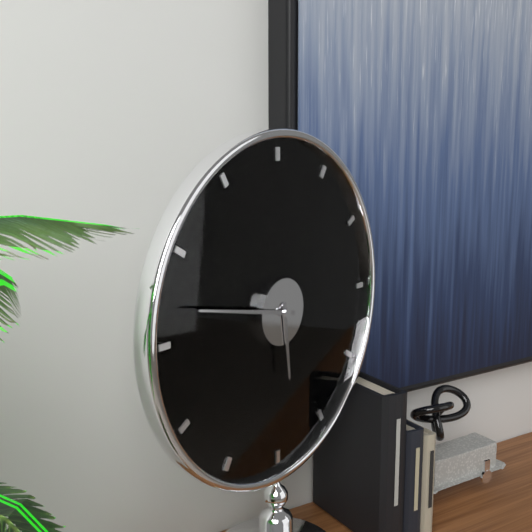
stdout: **5:47**
